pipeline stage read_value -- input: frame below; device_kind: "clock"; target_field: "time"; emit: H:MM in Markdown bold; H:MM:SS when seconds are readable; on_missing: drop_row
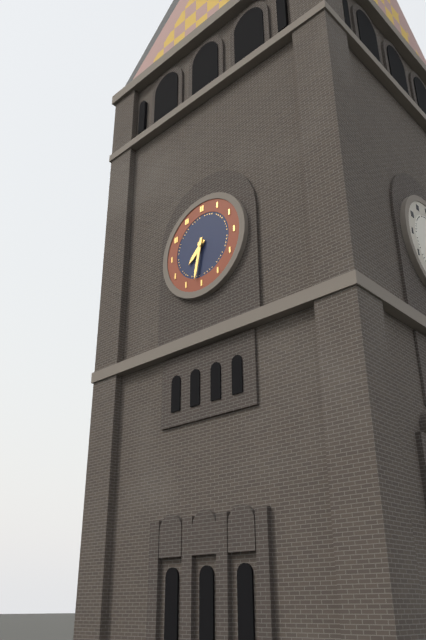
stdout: **7:32**
